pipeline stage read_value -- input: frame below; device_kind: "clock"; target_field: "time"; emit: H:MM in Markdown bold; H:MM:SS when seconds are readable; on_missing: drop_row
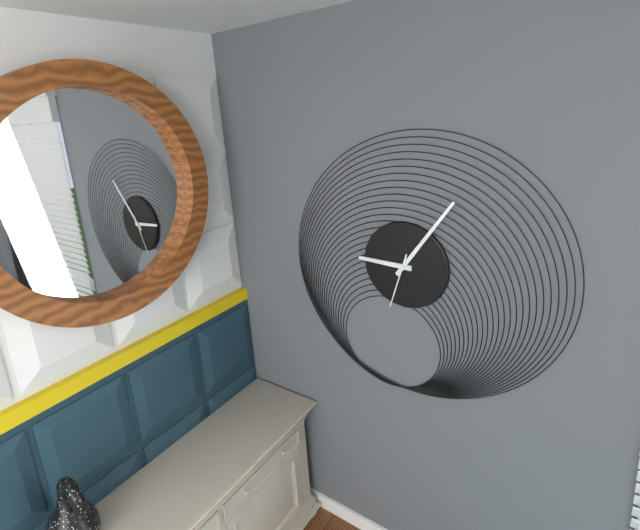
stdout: **9:06:33**
